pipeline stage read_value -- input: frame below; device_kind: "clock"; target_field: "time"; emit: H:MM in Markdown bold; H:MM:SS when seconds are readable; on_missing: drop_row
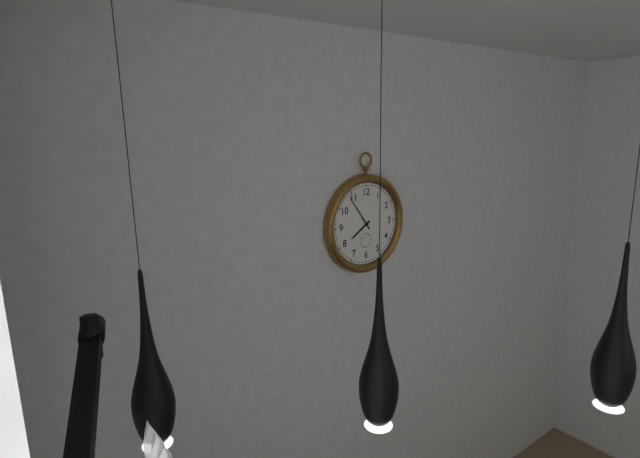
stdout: **7:54**
